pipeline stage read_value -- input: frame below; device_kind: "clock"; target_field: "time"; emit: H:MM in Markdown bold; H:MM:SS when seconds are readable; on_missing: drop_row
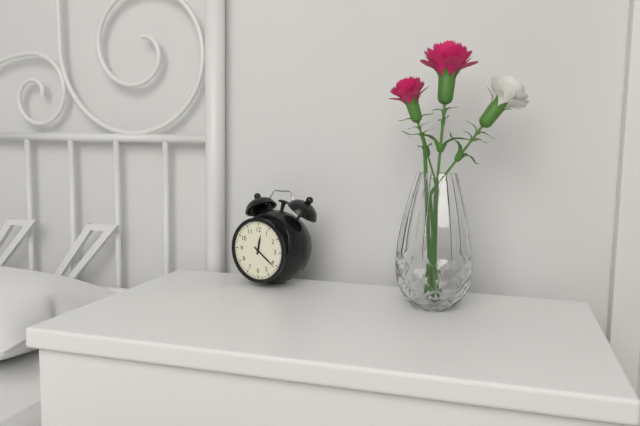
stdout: **12:21**
